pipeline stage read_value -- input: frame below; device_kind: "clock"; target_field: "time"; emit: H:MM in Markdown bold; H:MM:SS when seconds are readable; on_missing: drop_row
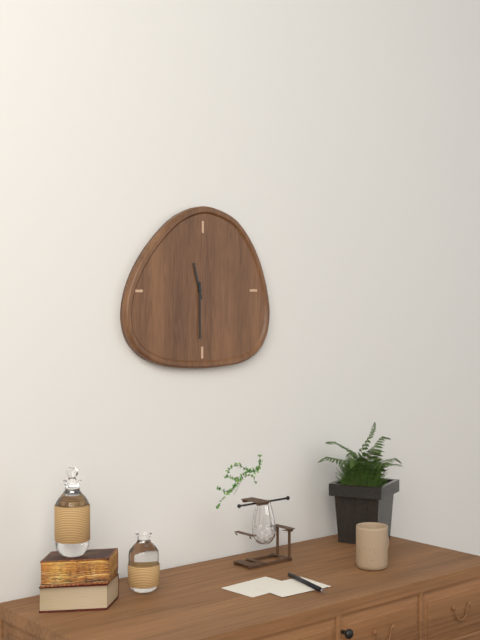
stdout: **11:30**
